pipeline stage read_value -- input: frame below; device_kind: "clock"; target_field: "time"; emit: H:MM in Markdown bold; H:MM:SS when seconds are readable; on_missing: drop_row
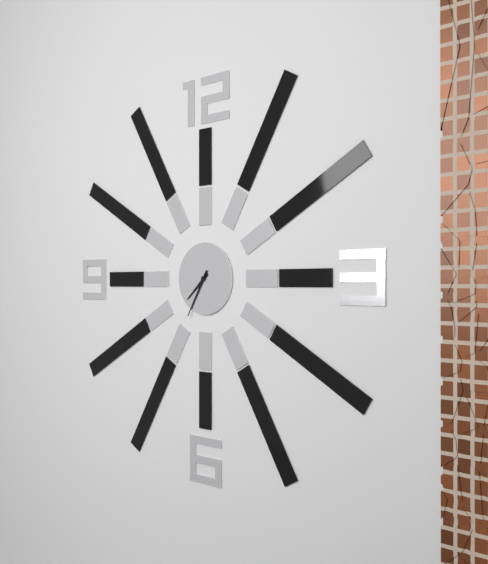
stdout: **7:35**
